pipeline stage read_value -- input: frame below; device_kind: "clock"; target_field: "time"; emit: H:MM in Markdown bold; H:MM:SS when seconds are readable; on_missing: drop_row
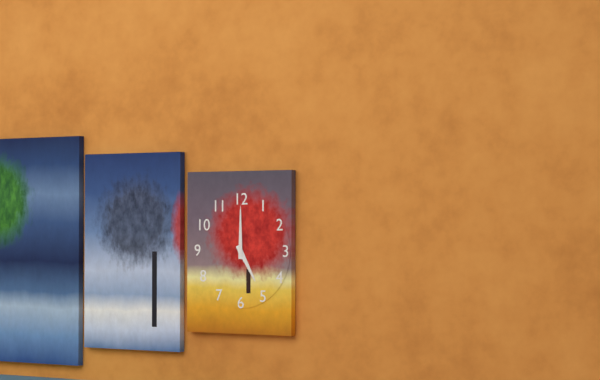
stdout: **5:00**
